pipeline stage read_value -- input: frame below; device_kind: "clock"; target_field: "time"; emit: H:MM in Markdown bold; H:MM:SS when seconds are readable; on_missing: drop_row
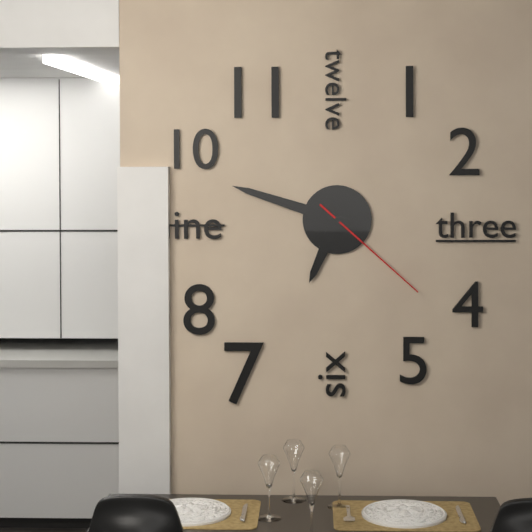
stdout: **6:48:22**
